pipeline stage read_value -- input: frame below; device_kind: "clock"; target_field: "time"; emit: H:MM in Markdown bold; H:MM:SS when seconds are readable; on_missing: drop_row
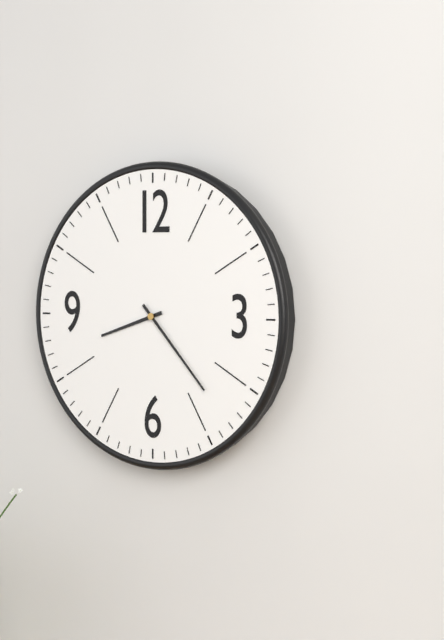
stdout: **8:23**
